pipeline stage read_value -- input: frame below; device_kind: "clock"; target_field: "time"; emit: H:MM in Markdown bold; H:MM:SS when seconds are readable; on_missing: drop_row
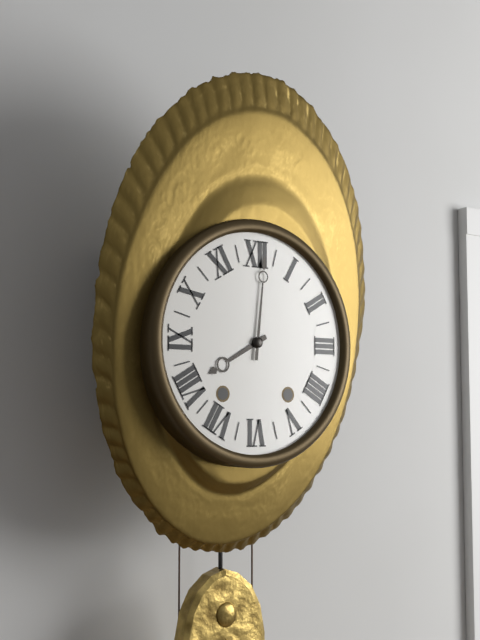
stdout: **8:01**
